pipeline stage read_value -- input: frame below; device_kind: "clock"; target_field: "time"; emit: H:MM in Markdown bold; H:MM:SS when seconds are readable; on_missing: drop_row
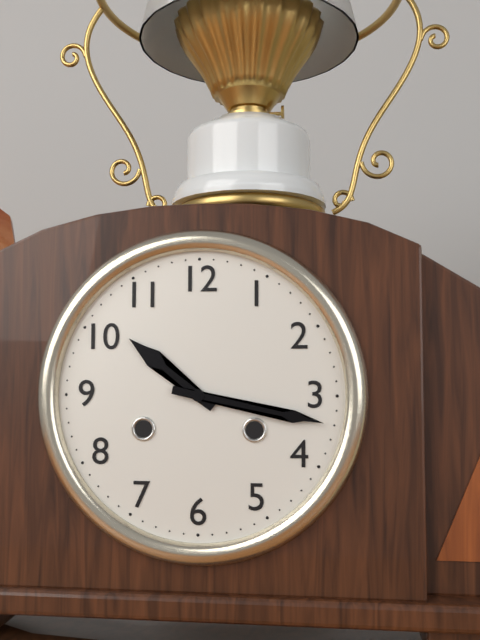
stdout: **10:17**
